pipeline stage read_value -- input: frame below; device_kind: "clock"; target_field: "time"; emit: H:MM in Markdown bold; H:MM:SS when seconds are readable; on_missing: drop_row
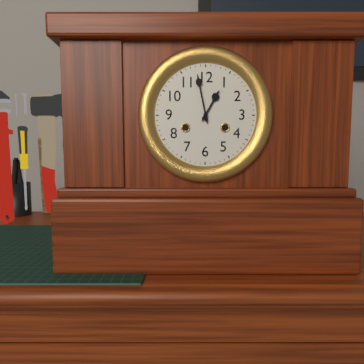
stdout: **12:58**
